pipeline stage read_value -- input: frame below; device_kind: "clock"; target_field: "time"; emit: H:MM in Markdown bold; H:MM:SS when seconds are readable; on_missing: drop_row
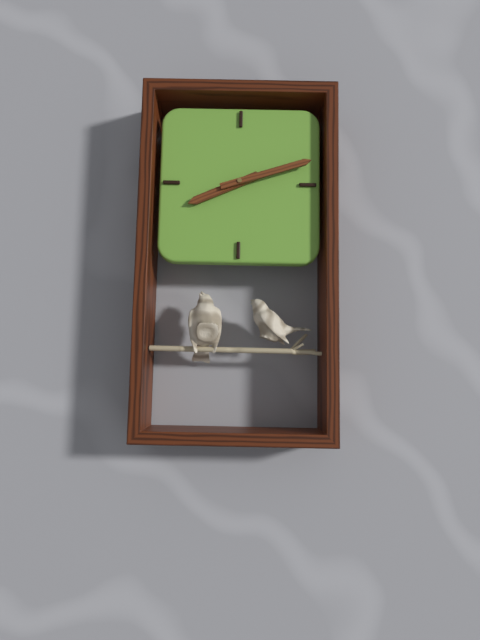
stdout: **8:12**
